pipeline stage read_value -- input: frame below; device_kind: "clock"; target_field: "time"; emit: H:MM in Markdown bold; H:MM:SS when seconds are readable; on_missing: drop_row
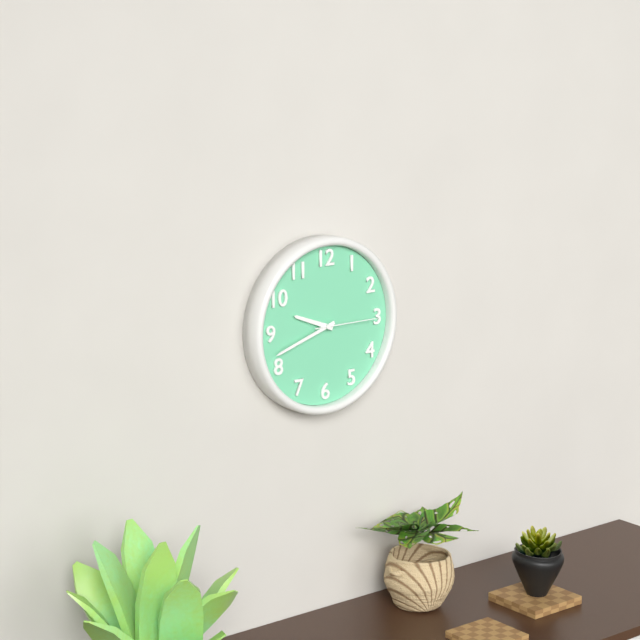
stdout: **9:42:15**
